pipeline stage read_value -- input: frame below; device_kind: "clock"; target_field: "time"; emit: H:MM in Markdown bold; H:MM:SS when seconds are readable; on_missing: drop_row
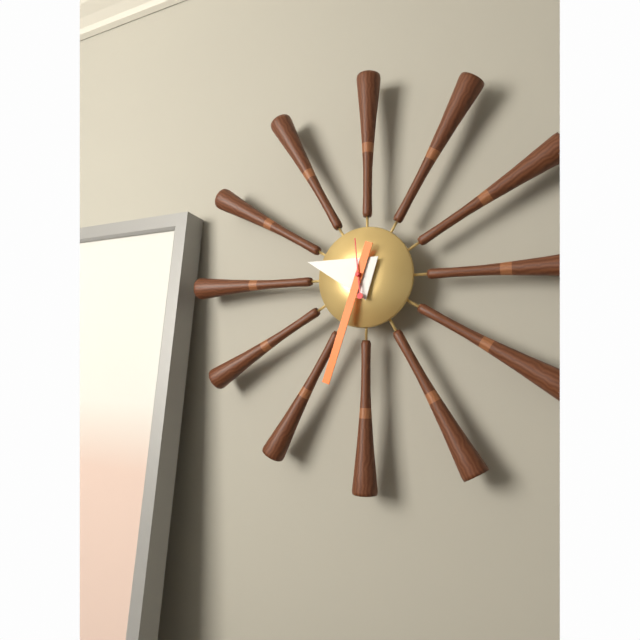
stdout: **9:33:59**
